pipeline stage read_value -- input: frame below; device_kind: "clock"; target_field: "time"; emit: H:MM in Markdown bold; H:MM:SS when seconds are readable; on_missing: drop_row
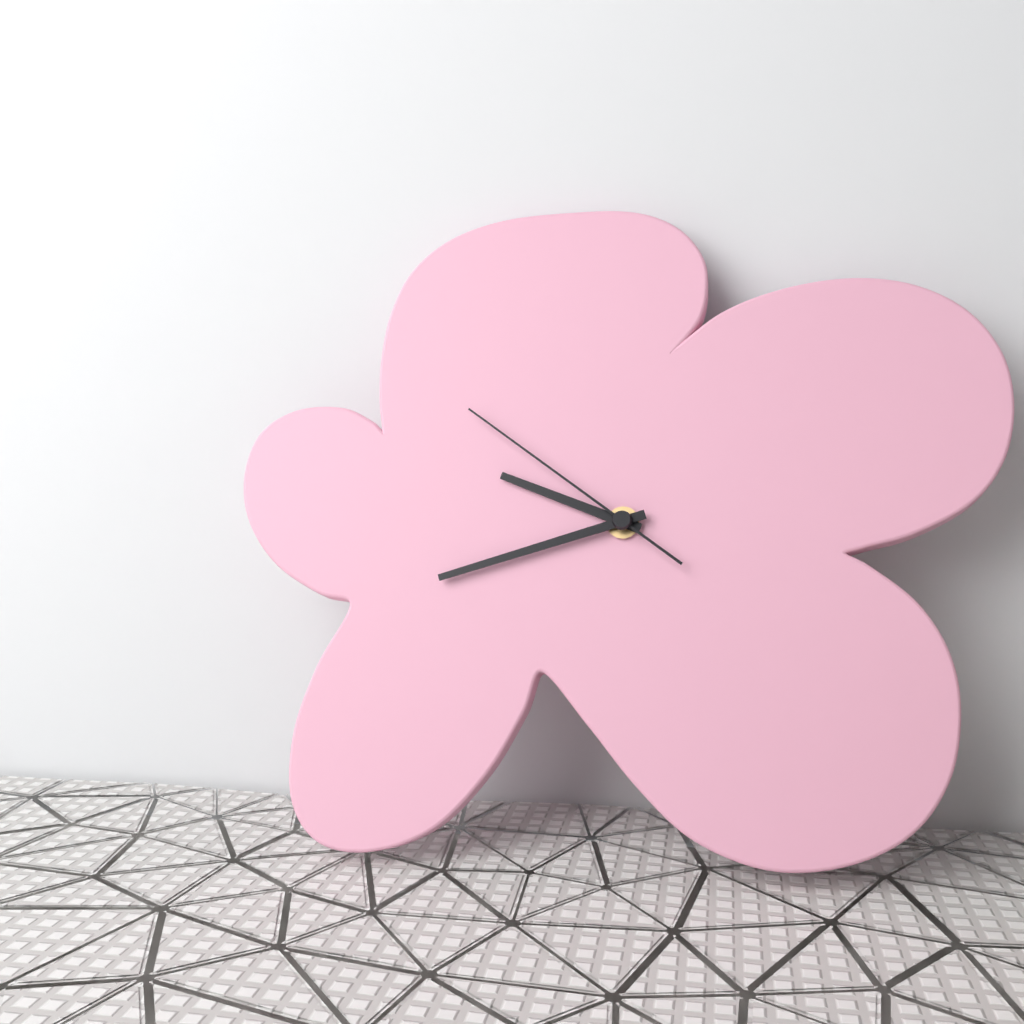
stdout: **9:42:51**
